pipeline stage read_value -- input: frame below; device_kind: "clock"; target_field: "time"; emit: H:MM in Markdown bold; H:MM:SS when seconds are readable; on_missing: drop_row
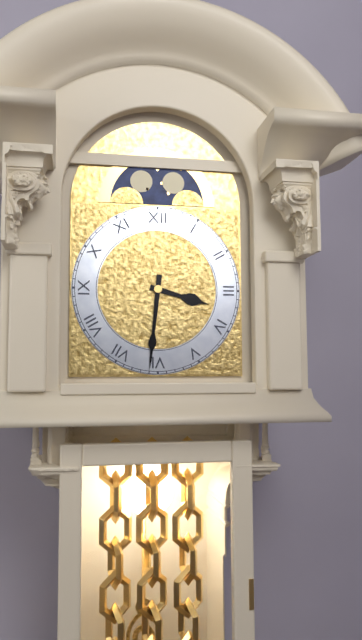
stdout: **3:31**
